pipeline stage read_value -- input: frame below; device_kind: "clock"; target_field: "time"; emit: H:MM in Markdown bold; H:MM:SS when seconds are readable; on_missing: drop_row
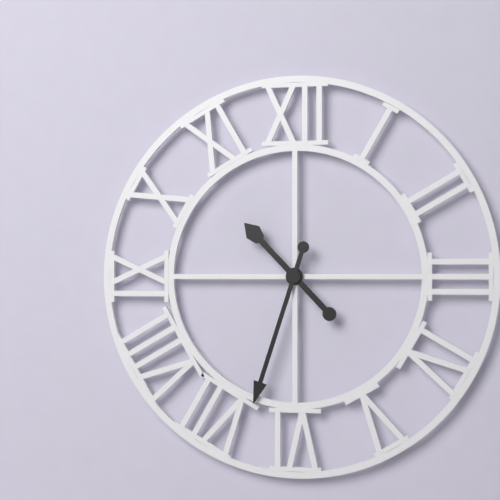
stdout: **10:33**
